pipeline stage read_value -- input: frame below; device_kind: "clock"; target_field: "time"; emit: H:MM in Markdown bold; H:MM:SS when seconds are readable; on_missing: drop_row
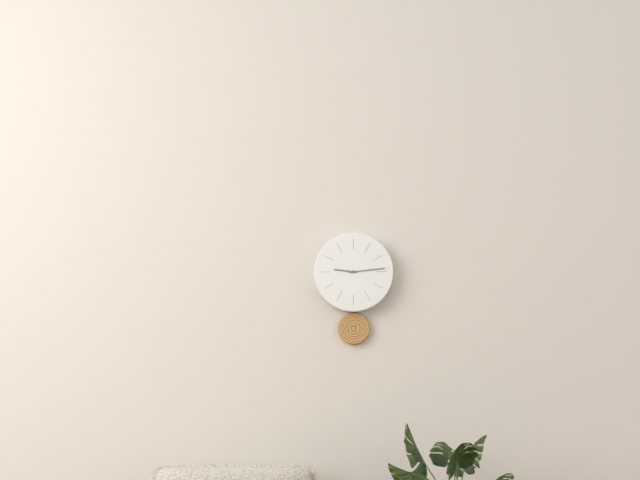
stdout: **9:14**
